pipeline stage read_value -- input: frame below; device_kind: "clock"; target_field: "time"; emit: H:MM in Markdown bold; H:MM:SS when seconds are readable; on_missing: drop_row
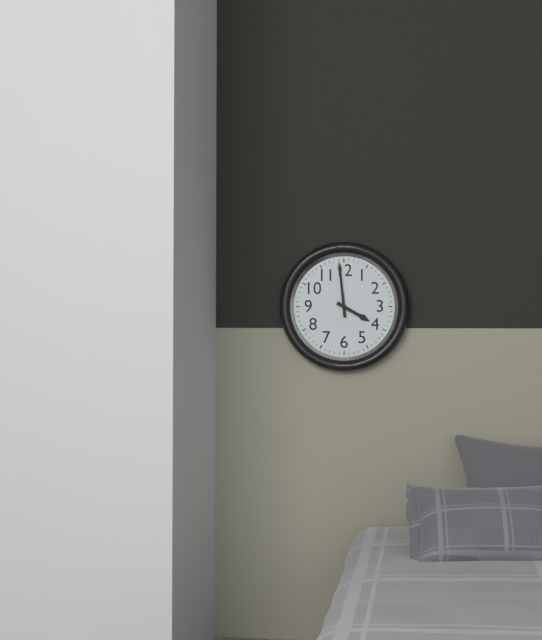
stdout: **3:59**
